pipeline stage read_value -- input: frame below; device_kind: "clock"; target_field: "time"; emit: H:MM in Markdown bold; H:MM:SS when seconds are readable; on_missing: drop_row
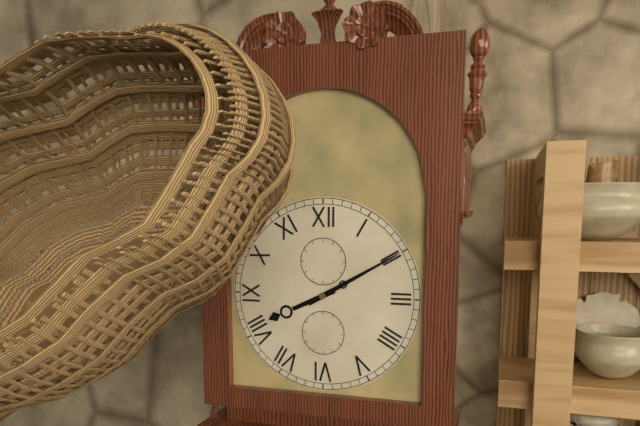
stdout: **8:10**
